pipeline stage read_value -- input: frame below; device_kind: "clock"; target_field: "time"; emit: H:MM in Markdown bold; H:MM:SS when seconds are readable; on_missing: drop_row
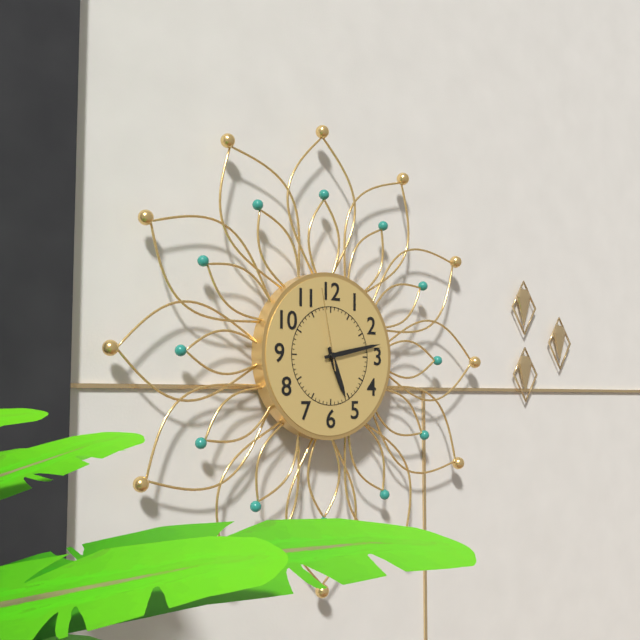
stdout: **5:13:58**
